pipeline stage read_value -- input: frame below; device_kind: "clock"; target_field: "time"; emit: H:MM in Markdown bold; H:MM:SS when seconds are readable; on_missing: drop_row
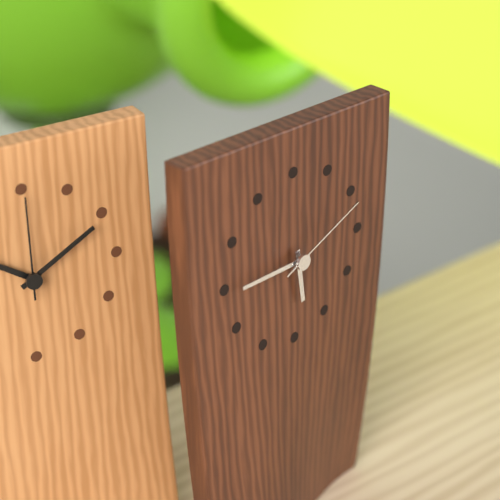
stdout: **5:45:11**
